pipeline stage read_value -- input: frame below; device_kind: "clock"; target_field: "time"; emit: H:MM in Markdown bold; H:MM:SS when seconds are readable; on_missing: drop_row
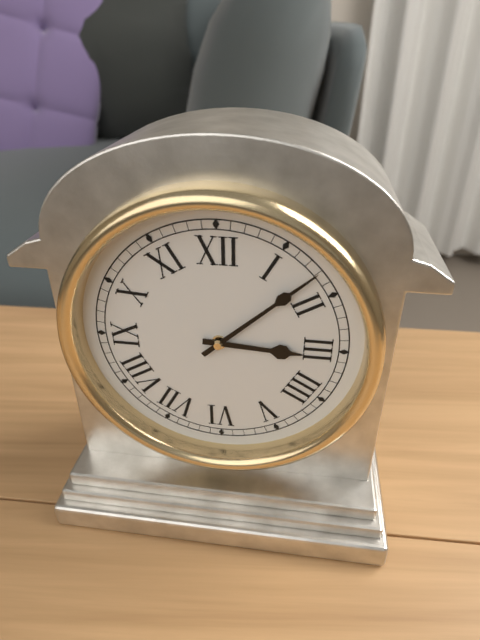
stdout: **3:08**
